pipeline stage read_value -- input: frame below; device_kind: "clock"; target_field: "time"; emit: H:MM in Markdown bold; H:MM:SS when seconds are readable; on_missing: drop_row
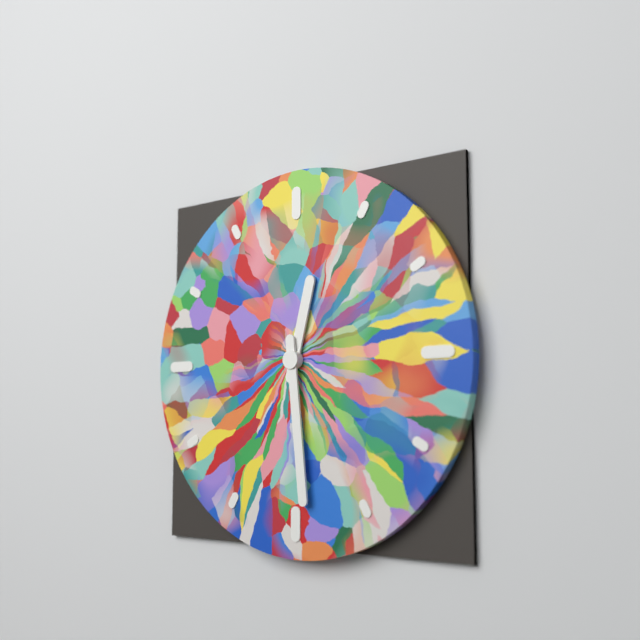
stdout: **12:29**
